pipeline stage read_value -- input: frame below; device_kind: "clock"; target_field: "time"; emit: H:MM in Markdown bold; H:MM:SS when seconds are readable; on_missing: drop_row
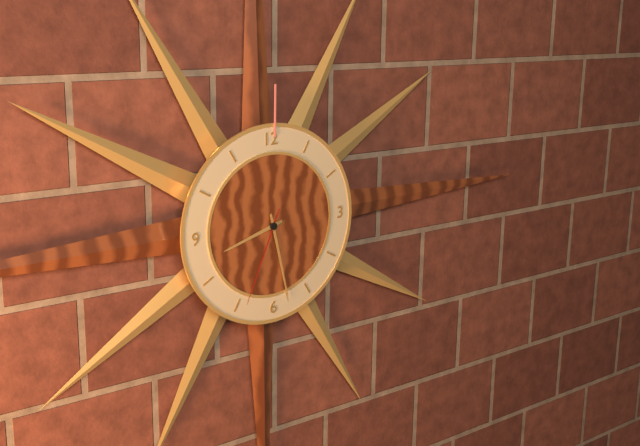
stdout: **8:28:34**
